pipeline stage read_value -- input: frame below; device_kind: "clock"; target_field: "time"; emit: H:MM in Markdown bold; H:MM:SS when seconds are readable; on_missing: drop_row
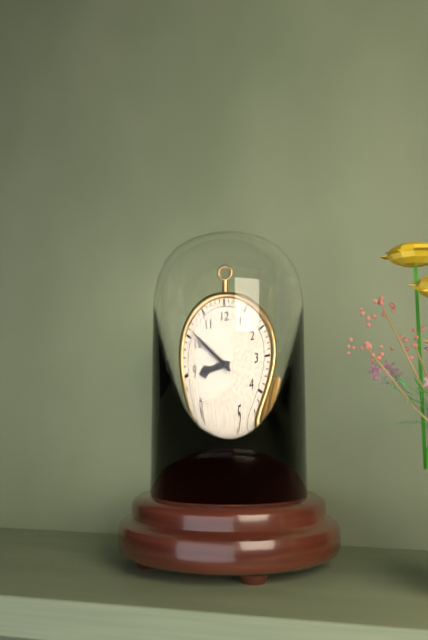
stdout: **8:51**
